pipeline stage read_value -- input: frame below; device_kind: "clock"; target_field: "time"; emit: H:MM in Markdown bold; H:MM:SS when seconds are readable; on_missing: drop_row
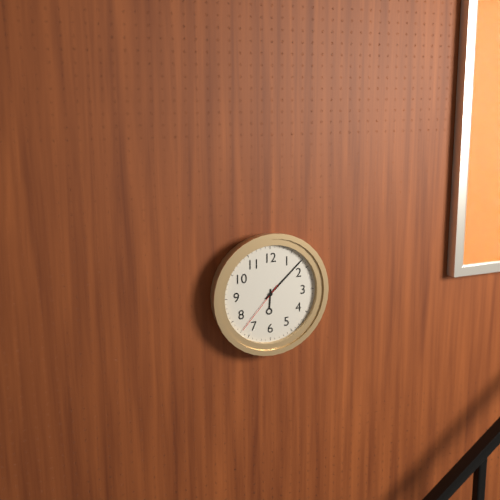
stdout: **6:08:37**
